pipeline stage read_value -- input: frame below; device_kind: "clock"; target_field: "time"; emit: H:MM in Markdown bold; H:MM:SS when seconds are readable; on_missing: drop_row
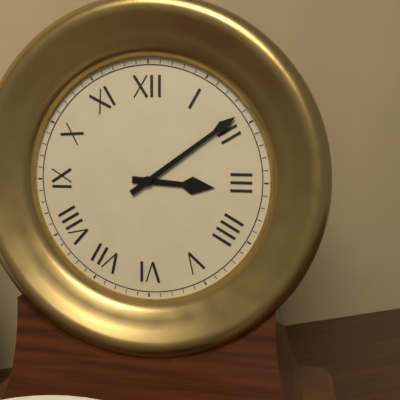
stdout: **3:09**
